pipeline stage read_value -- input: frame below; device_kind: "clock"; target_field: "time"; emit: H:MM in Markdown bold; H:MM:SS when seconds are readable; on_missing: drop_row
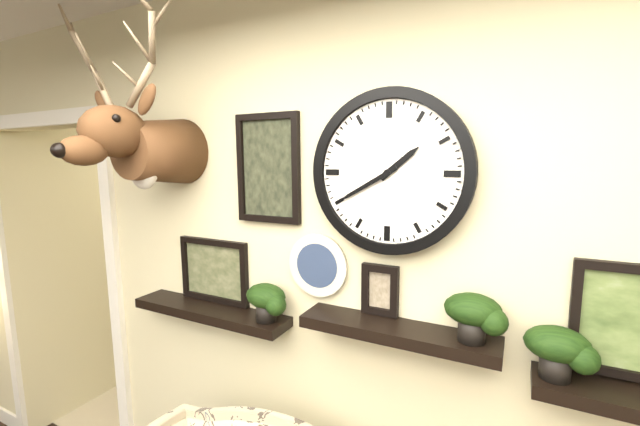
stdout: **1:40**
